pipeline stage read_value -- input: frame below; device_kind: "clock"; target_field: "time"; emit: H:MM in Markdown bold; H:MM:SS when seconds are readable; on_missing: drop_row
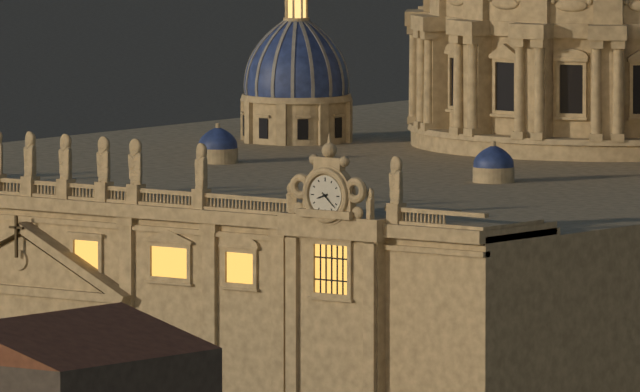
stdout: **8:22**
